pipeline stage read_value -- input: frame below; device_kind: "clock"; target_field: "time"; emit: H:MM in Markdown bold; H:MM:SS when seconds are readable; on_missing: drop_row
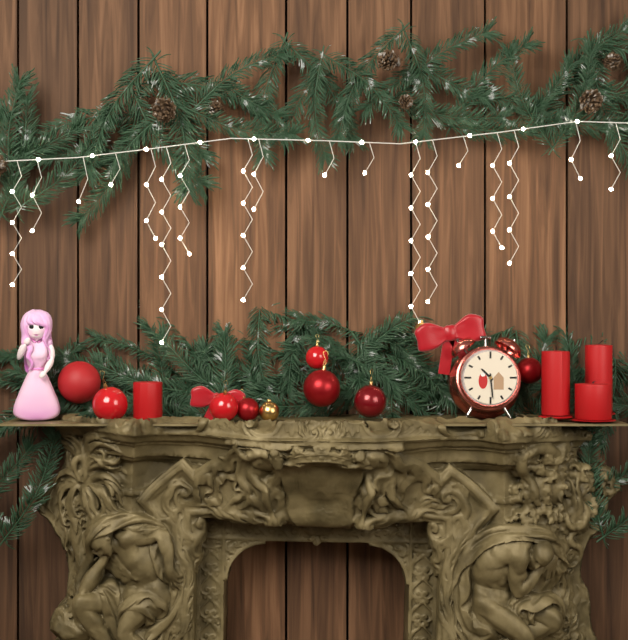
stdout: **10:29**
